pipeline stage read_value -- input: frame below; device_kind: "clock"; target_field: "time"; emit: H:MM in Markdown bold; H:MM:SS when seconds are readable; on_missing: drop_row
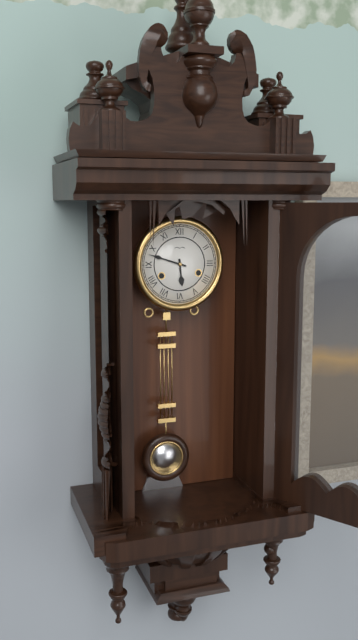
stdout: **5:48**
